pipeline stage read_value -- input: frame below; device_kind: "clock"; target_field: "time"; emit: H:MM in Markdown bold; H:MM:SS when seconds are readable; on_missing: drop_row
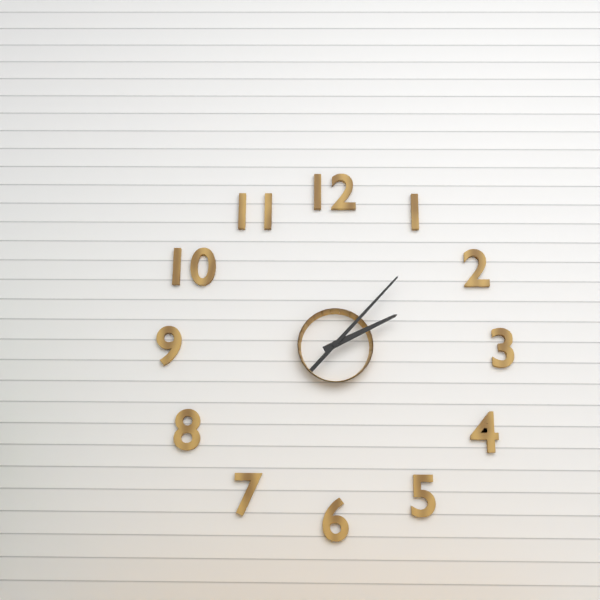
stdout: **2:07**
